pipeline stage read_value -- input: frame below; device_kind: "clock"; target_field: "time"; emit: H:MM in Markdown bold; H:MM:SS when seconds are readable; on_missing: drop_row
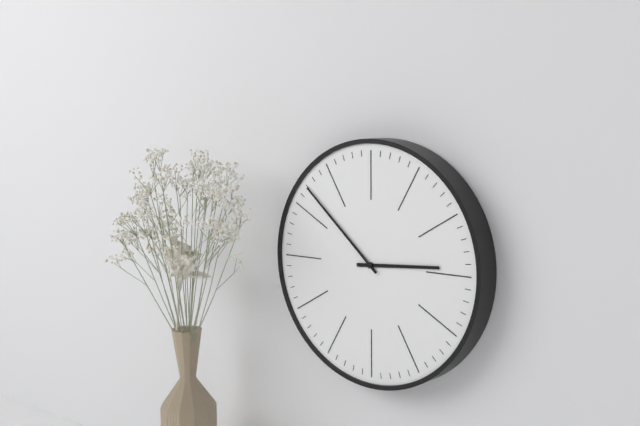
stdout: **2:52**
